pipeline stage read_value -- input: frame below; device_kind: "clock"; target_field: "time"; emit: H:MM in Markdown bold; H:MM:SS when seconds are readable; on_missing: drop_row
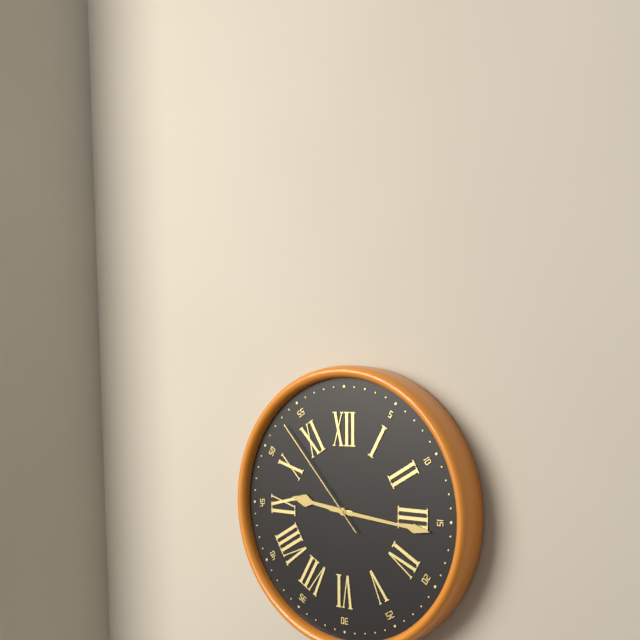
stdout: **9:16:53**
